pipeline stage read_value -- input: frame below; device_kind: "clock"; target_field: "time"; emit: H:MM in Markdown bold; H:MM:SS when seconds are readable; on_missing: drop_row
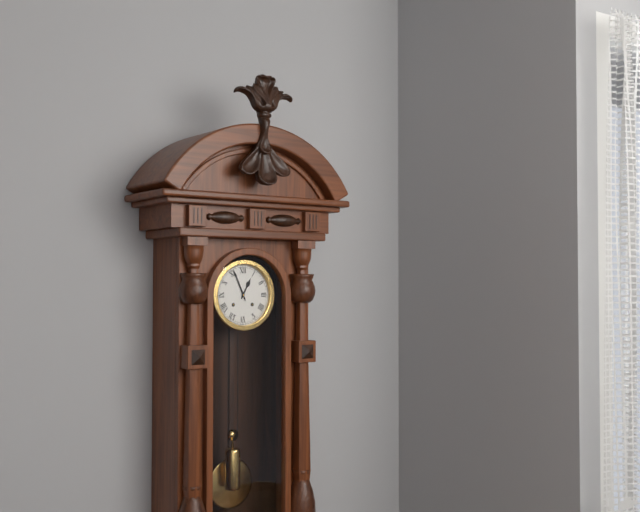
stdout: **12:56**
